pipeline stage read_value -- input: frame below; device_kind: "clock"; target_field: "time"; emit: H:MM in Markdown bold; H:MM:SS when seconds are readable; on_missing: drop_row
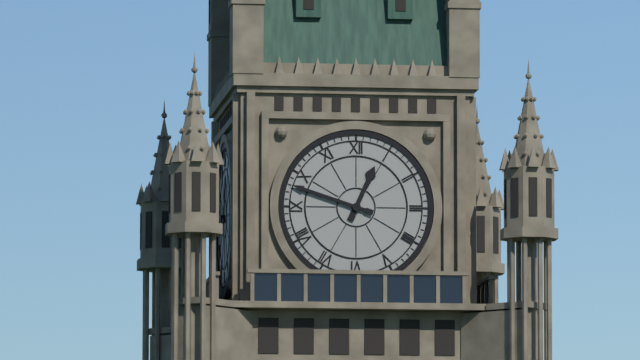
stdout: **12:48**
